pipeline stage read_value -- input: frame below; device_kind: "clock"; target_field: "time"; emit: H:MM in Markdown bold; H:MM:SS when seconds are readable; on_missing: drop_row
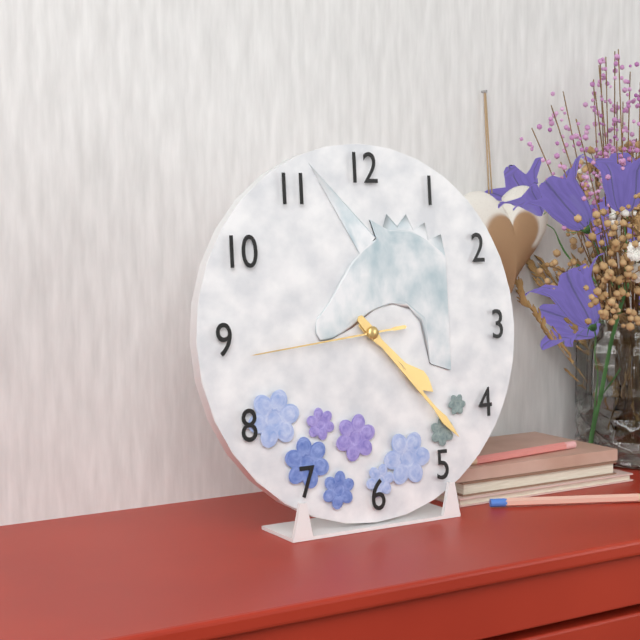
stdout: **4:23:44**
